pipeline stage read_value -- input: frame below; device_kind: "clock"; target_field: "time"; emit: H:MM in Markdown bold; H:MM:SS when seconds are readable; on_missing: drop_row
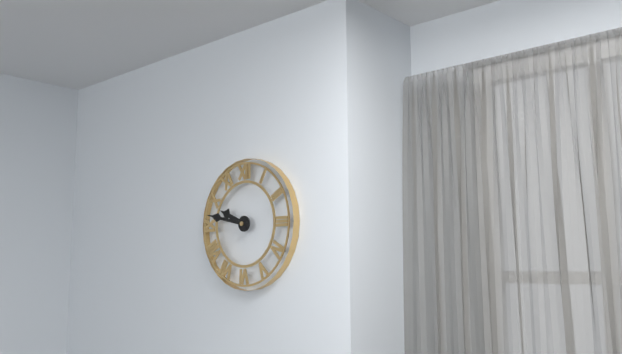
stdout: **9:47**
